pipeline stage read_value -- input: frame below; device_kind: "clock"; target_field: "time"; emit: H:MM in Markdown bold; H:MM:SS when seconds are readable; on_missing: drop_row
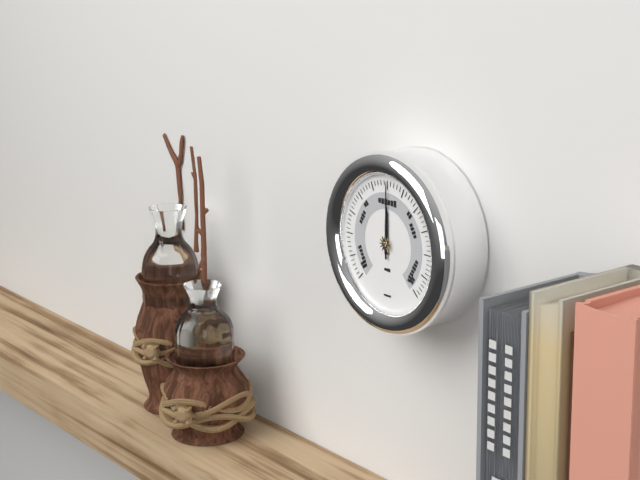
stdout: **12:00**
